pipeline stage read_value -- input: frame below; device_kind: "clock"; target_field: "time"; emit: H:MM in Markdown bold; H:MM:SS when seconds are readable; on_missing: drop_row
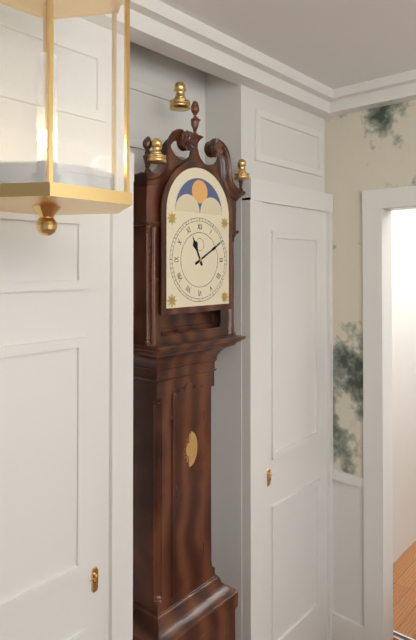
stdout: **11:10**
